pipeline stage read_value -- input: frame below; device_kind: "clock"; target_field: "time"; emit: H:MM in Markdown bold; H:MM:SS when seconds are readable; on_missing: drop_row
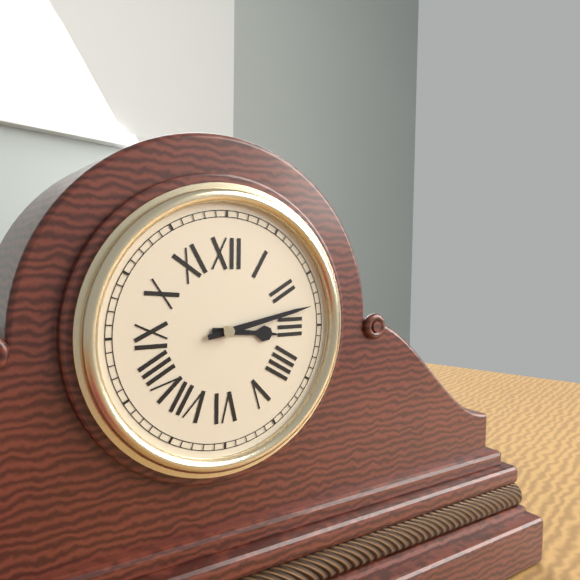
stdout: **3:13**
